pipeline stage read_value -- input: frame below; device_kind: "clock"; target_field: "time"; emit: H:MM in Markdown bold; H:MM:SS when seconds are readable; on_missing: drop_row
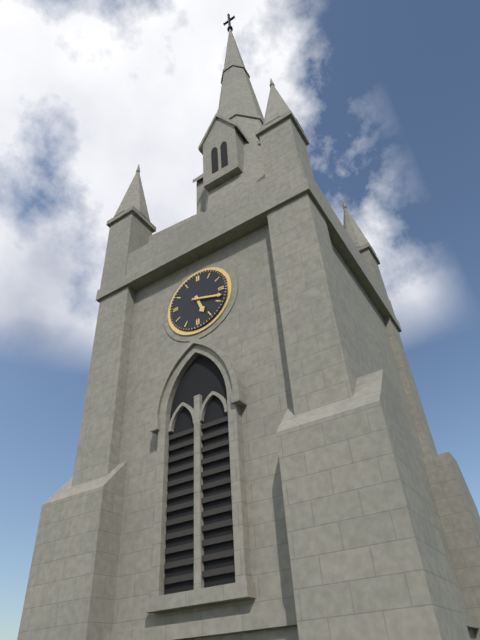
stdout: **5:18**
